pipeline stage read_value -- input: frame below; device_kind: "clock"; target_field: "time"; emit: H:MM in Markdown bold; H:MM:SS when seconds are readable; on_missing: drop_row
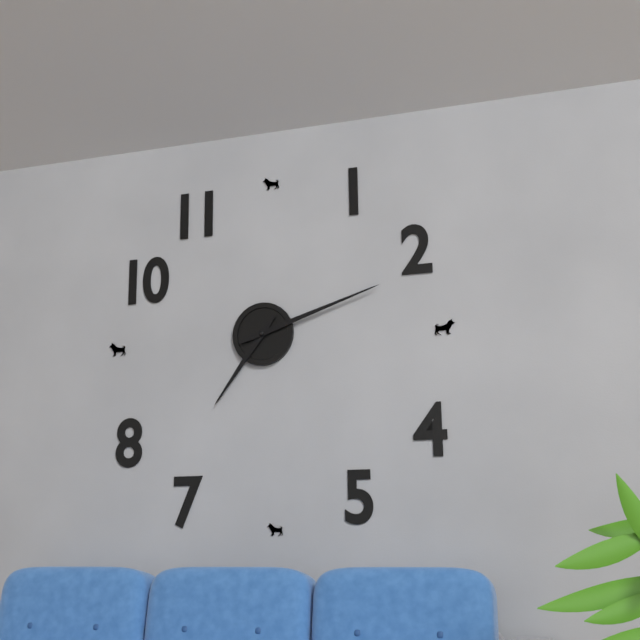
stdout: **7:12**
